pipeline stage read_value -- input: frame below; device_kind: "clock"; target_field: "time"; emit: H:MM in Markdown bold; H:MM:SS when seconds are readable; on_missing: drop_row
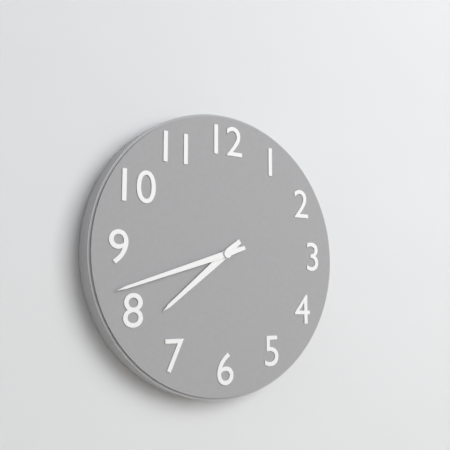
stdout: **7:42**
